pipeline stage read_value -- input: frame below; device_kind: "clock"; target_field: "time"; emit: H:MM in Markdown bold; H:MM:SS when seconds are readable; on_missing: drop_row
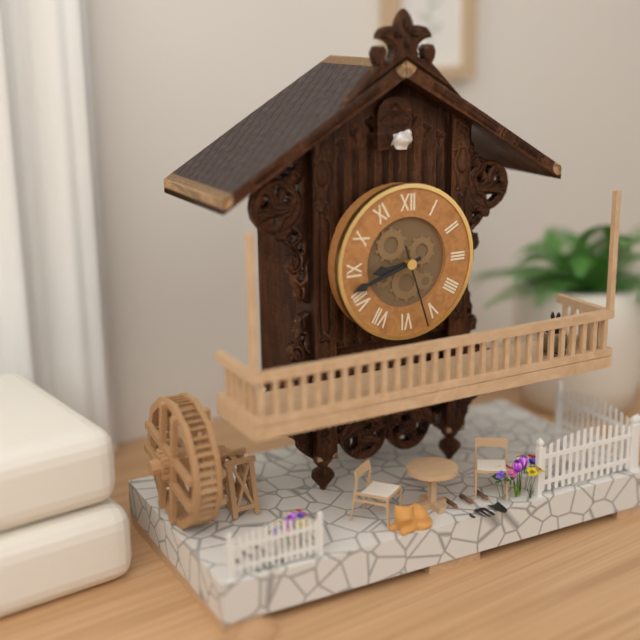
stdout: **8:42:27**
